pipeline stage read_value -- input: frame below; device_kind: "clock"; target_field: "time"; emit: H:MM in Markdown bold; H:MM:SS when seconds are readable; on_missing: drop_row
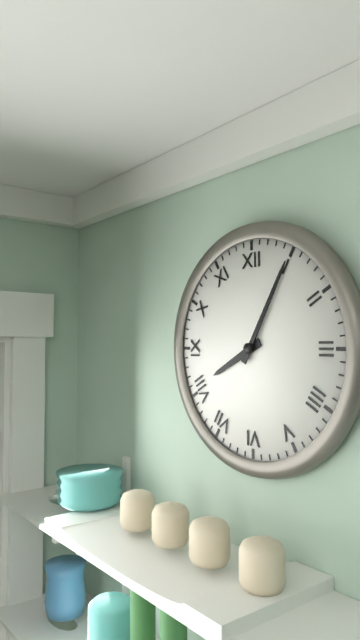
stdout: **8:05**
